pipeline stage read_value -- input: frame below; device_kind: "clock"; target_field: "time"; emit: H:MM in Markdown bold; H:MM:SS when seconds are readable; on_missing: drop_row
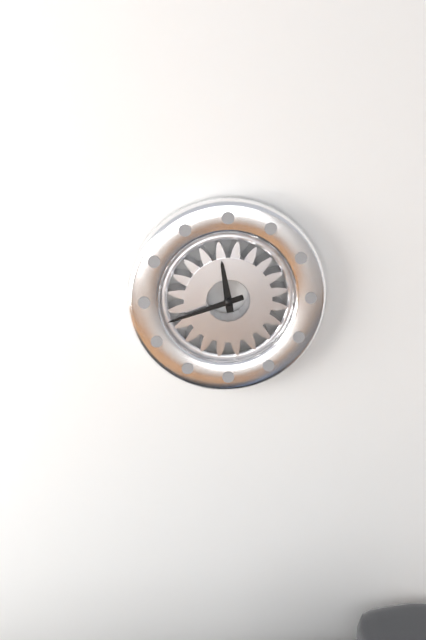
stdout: **11:42**
